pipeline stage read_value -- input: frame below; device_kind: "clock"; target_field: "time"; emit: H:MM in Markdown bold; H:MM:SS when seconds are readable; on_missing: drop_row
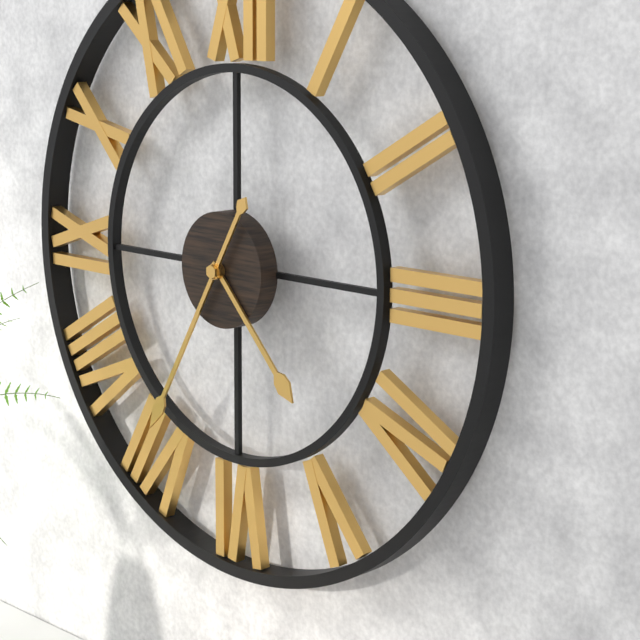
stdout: **4:35**
